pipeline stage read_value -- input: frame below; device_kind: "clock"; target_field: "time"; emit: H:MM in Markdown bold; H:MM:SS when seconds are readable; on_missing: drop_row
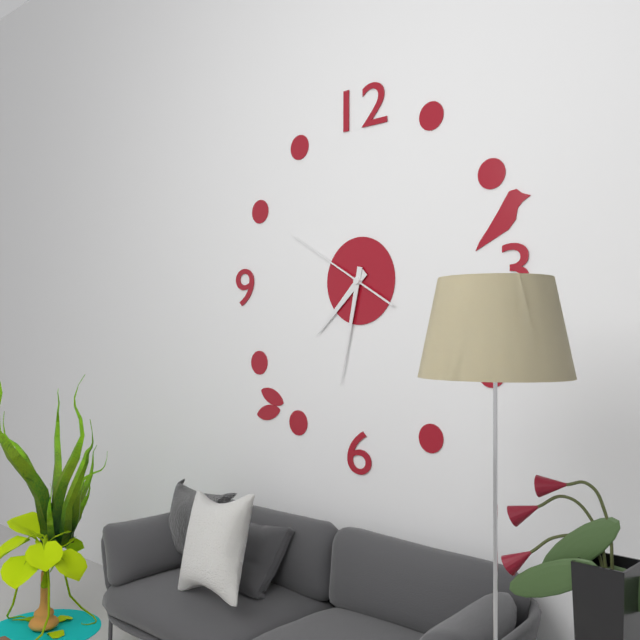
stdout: **7:32:50**
